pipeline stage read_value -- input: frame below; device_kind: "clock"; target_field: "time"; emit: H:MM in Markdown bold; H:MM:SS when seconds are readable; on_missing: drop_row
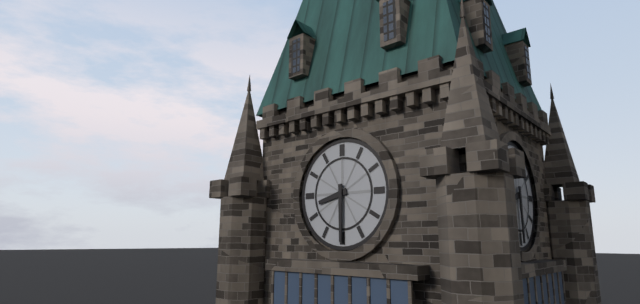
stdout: **8:30**
